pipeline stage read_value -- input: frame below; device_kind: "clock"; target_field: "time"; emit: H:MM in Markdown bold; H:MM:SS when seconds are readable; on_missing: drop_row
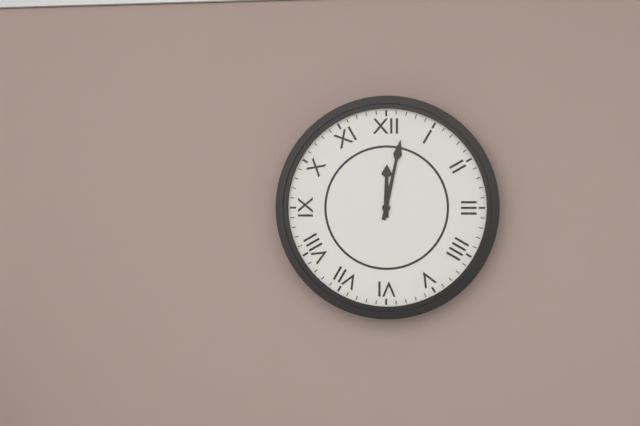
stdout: **12:02**
